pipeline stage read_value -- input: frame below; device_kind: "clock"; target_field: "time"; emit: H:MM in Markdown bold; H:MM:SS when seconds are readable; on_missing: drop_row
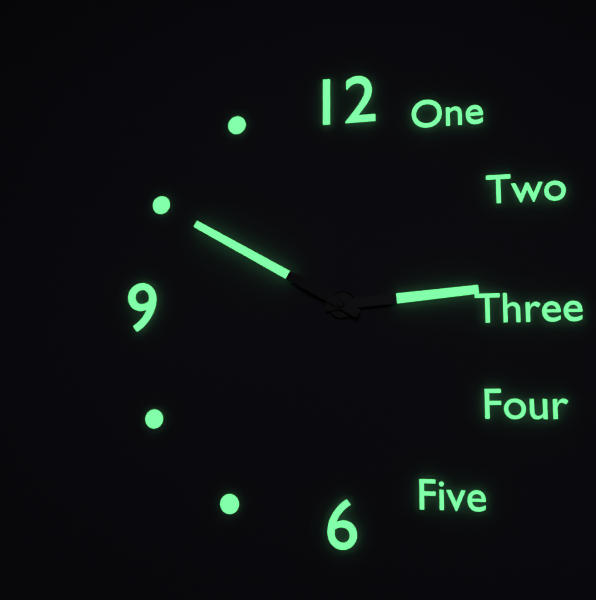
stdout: **2:50**
